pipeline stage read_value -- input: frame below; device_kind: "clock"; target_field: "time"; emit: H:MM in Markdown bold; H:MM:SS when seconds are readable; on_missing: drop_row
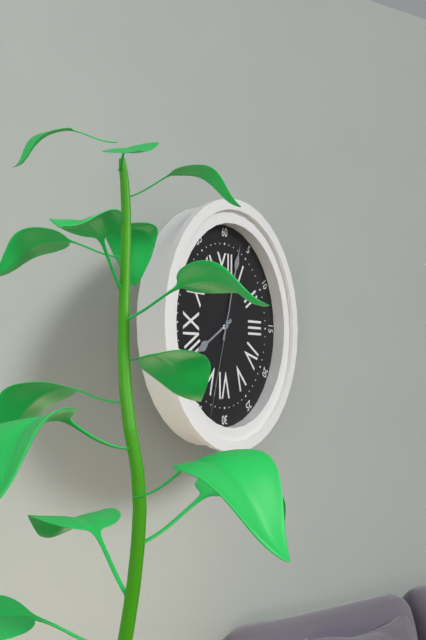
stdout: **8:03:33**
